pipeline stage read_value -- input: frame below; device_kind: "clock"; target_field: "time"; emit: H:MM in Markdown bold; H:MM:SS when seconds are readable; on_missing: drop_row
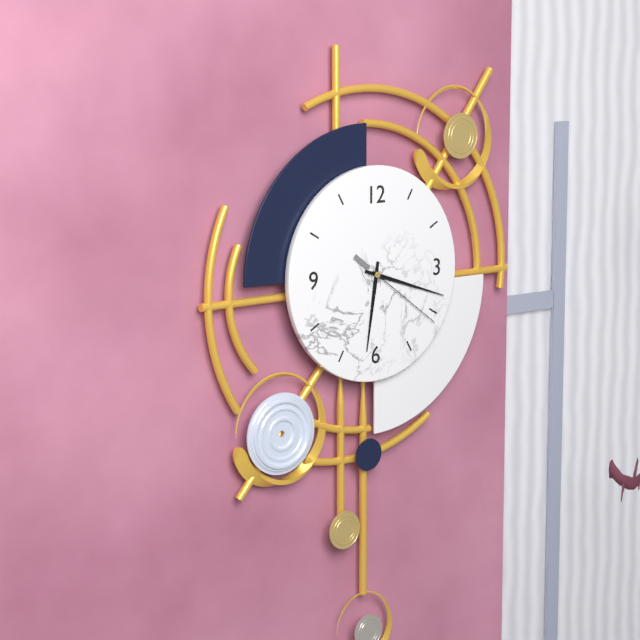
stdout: **6:18:21**
